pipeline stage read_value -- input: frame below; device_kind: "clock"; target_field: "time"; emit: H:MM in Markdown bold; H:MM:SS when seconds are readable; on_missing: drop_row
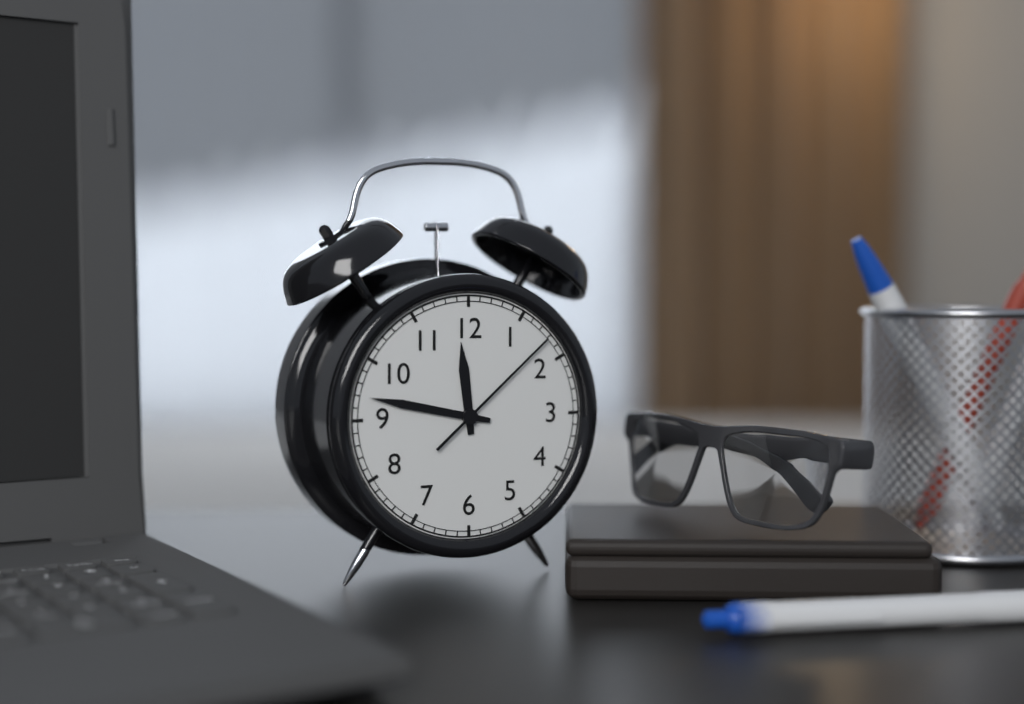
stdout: **11:47:08**
